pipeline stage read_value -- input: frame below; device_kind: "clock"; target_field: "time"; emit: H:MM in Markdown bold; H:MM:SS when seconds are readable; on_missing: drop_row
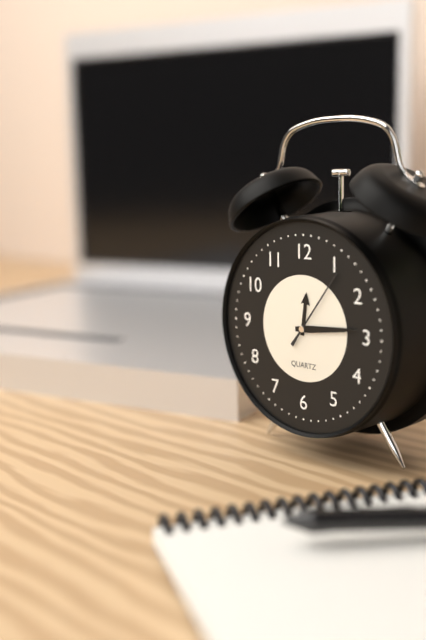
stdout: **12:14:06**
